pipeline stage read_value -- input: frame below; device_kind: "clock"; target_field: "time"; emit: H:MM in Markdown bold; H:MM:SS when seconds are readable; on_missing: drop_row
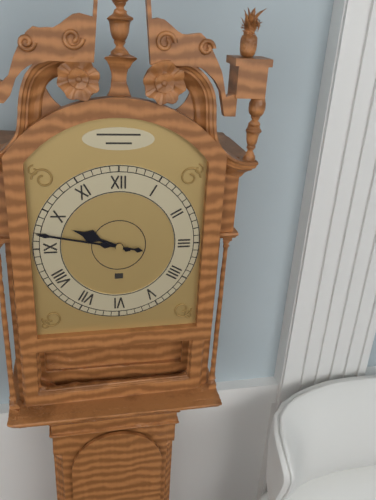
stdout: **9:47**
